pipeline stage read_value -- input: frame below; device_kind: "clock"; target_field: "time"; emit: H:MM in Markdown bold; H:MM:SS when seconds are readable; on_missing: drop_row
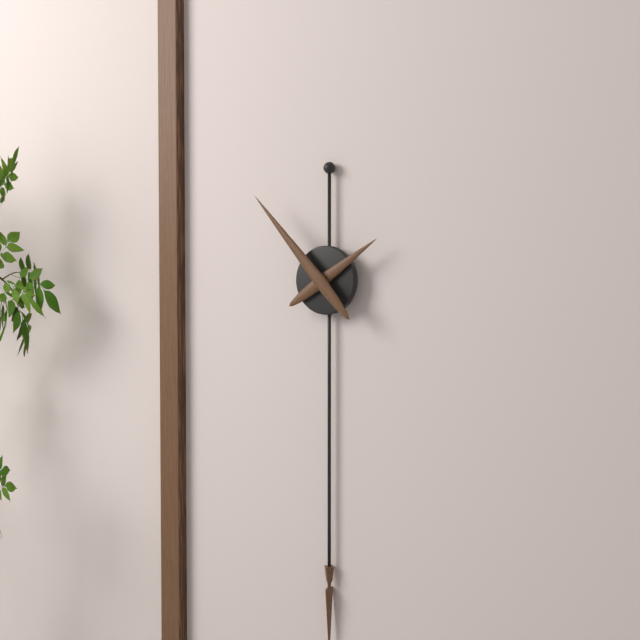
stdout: **1:53**
